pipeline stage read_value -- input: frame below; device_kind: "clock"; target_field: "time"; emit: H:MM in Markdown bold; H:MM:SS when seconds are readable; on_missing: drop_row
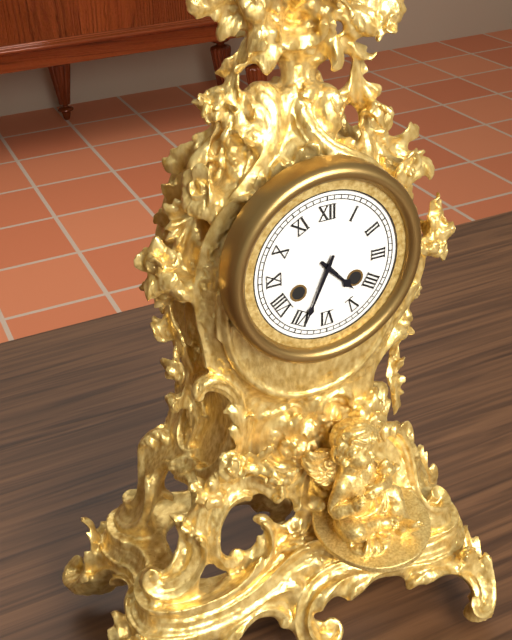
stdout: **4:34**
